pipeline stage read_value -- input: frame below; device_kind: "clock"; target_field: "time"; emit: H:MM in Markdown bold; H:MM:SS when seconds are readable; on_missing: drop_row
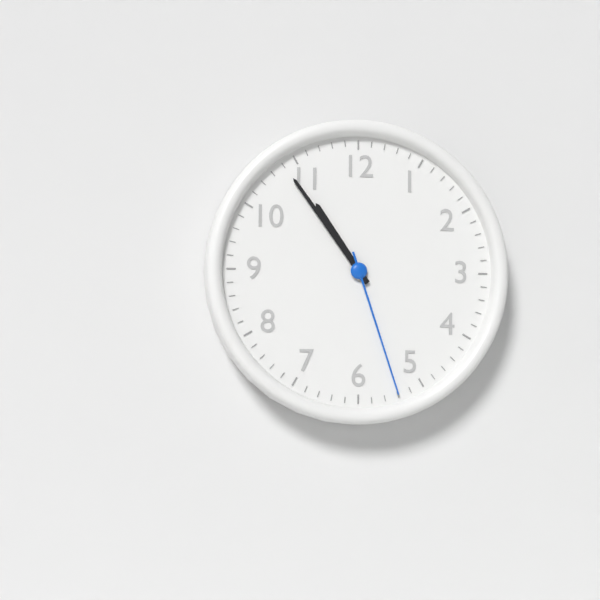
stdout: **10:54:27**
